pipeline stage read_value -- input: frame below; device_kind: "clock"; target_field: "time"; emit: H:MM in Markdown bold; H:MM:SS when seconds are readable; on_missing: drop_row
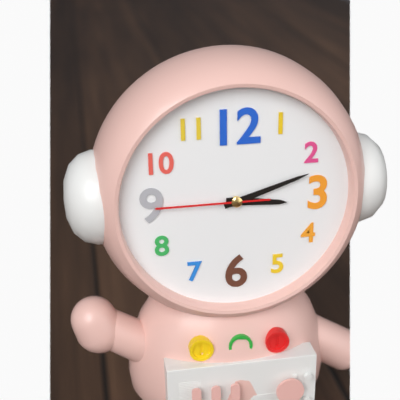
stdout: **3:12:45**
